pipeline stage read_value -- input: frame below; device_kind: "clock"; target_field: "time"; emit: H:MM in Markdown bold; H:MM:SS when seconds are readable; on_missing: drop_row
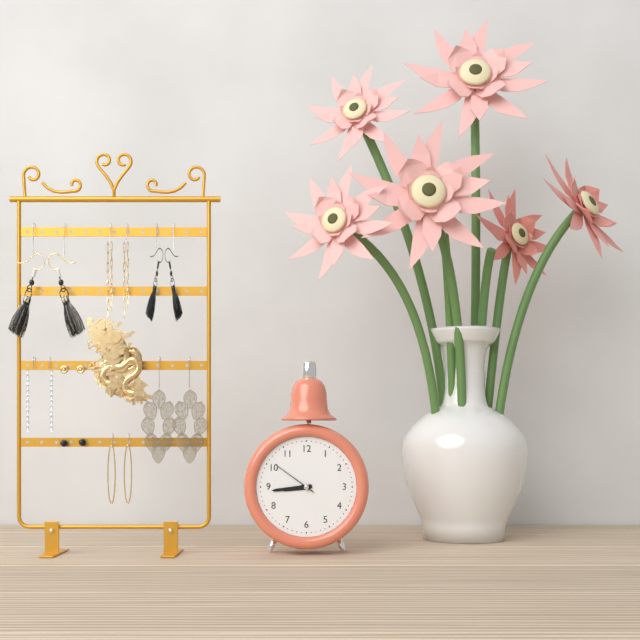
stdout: **8:44**
